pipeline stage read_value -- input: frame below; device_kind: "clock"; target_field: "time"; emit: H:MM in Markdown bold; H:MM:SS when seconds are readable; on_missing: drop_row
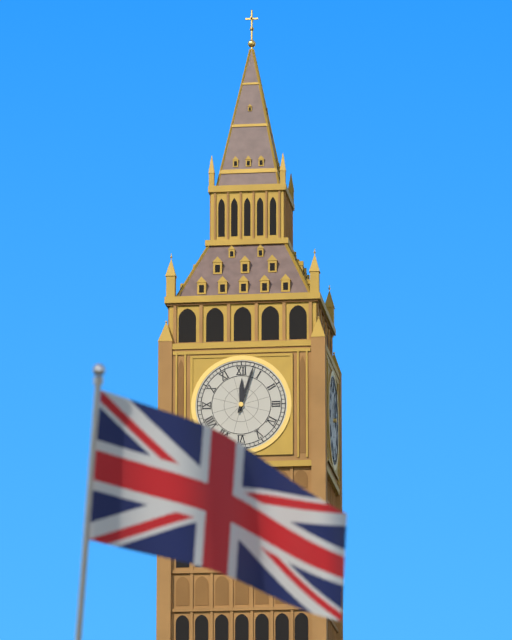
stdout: **12:03**
